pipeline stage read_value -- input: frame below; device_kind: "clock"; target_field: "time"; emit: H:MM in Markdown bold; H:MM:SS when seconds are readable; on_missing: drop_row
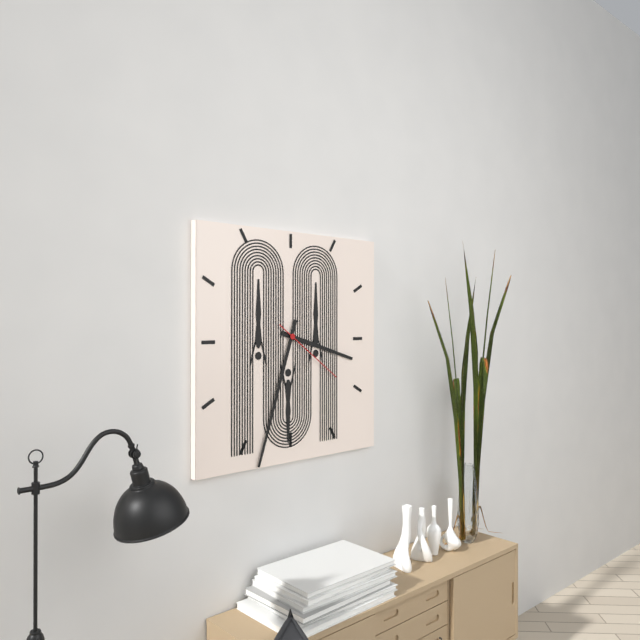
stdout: **3:33:21**
